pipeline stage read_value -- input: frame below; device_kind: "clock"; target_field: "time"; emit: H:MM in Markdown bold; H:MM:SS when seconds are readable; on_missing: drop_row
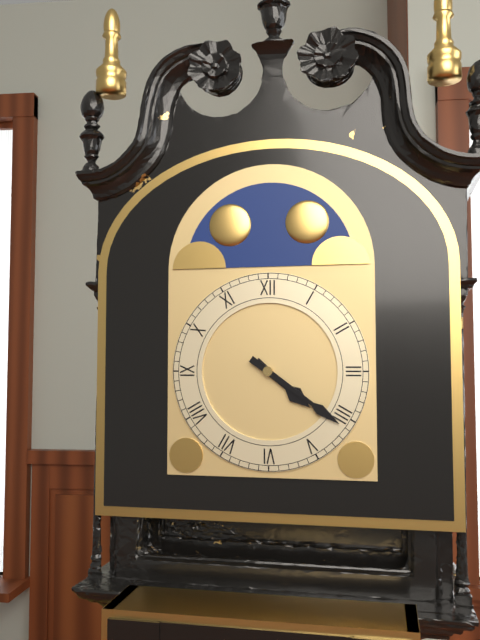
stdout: **4:21**
